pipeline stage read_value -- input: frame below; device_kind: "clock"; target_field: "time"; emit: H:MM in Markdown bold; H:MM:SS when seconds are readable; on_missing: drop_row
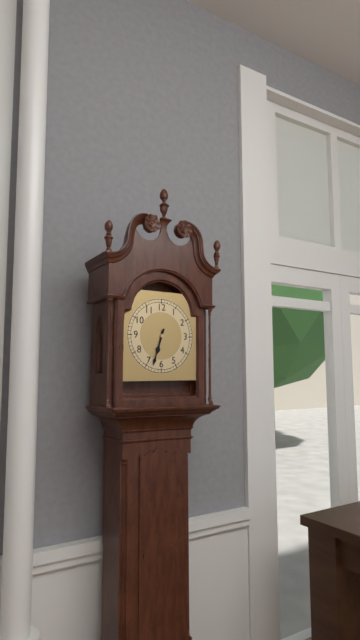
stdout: **6:33**
